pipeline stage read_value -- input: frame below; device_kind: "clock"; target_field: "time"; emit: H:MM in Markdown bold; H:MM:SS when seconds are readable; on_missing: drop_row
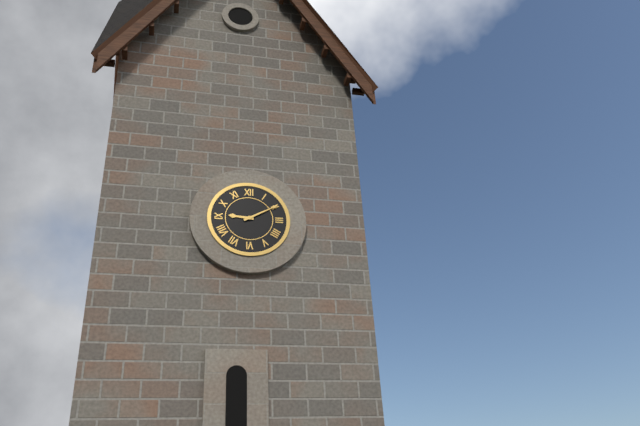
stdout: **9:10**
